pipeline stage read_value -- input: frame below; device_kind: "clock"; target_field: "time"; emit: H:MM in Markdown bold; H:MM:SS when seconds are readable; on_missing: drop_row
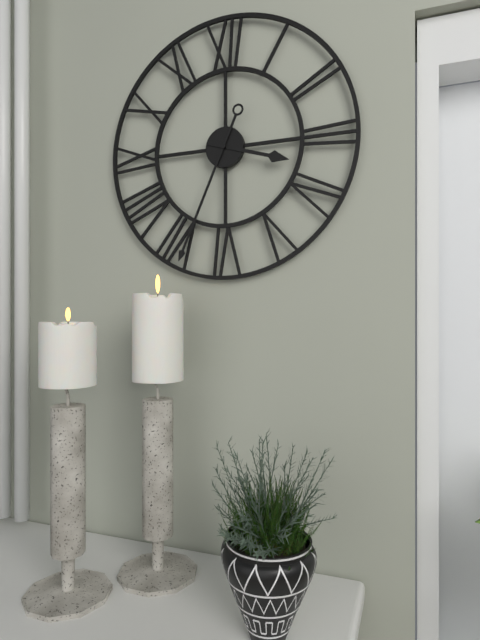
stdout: **3:34**
